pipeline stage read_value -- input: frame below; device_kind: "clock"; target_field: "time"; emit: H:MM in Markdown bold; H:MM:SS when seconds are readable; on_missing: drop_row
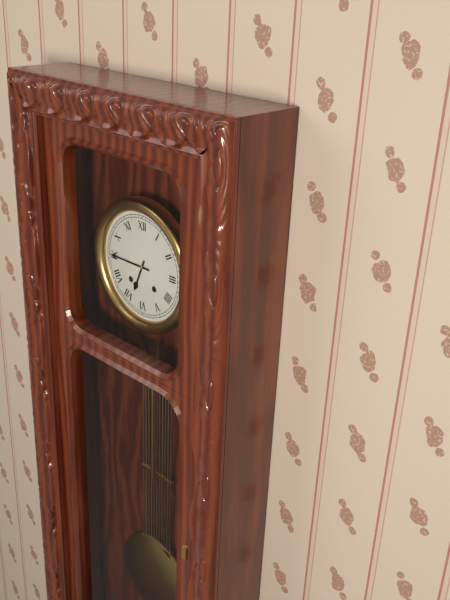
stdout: **6:45**
